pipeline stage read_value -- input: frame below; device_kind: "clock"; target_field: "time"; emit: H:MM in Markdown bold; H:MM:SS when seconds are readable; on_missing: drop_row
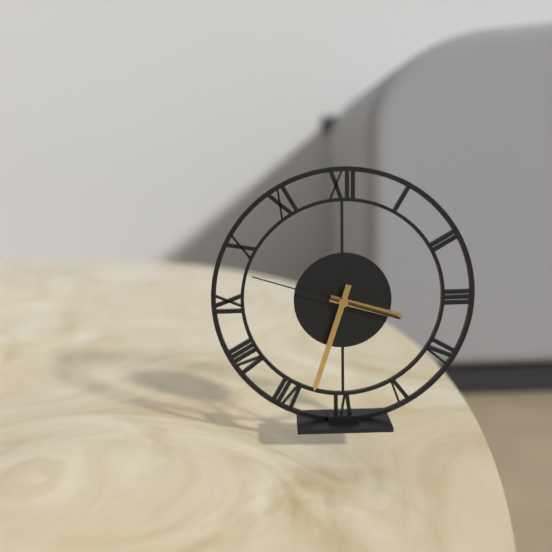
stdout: **3:33:48**
